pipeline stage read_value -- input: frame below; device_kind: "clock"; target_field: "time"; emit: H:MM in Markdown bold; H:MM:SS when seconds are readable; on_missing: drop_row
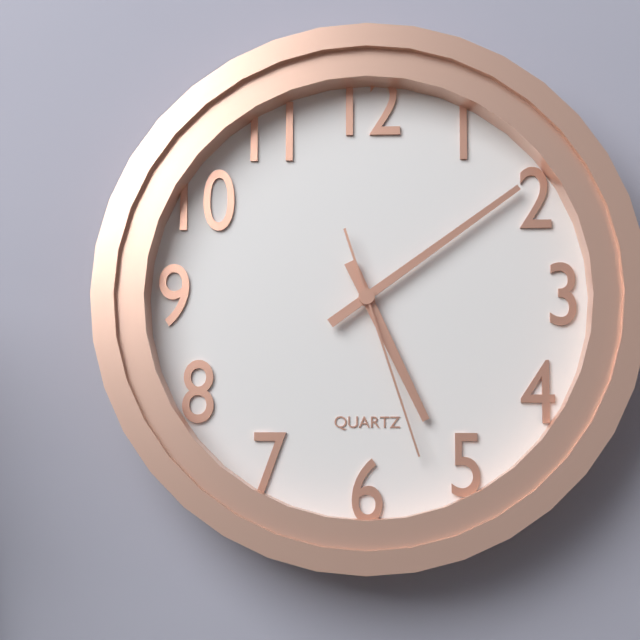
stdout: **5:09:27**
